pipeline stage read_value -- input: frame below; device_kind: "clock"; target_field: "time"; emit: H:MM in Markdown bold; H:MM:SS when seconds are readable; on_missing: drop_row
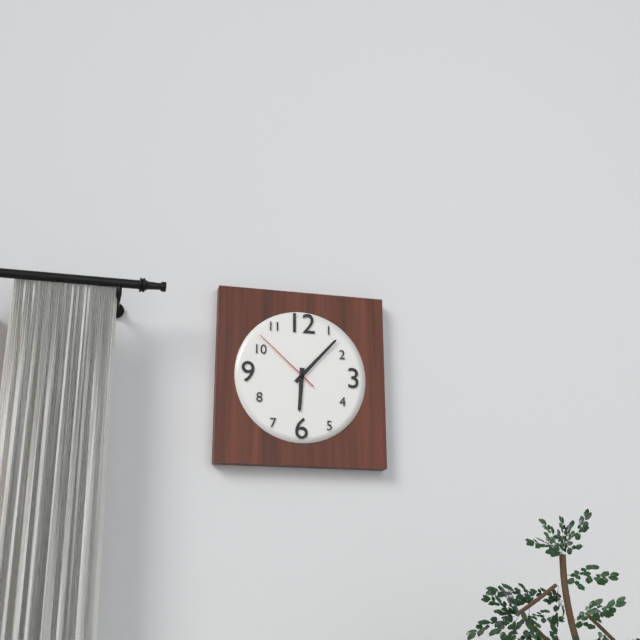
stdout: **6:07:52**
